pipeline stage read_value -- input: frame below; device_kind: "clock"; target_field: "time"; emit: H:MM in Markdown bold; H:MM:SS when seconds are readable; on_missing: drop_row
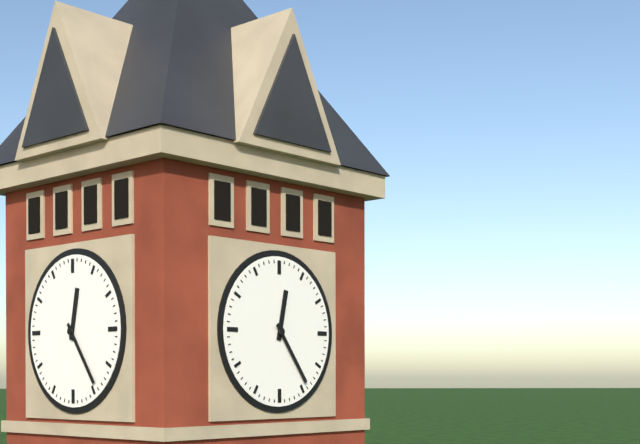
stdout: **12:24**
